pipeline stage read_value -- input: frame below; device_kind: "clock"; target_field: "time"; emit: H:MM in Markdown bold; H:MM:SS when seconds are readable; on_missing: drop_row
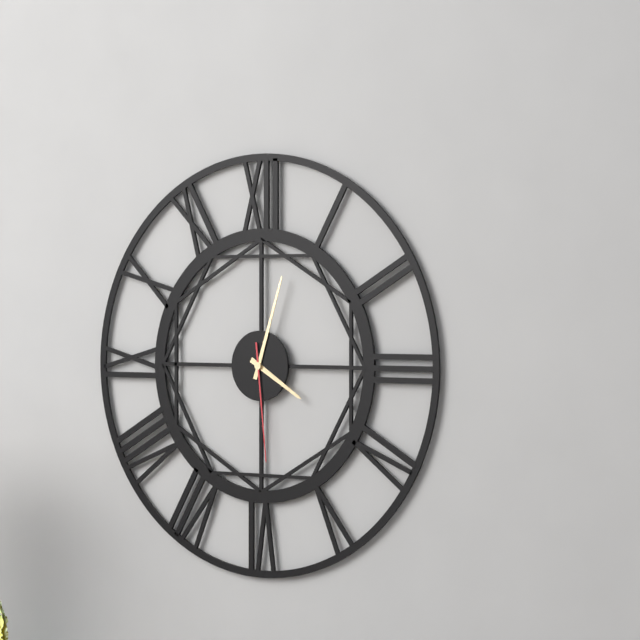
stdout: **4:03:29**
